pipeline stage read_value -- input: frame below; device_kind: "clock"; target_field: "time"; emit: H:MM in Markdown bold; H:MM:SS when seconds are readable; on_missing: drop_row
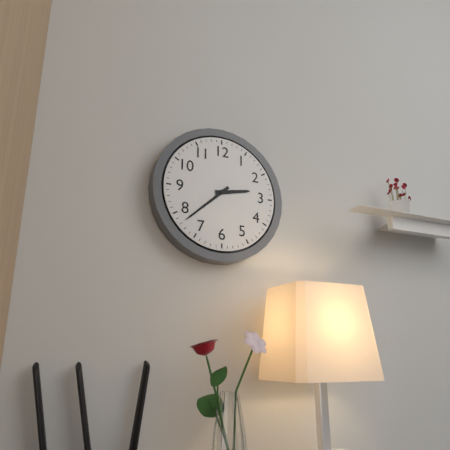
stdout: **2:38**
